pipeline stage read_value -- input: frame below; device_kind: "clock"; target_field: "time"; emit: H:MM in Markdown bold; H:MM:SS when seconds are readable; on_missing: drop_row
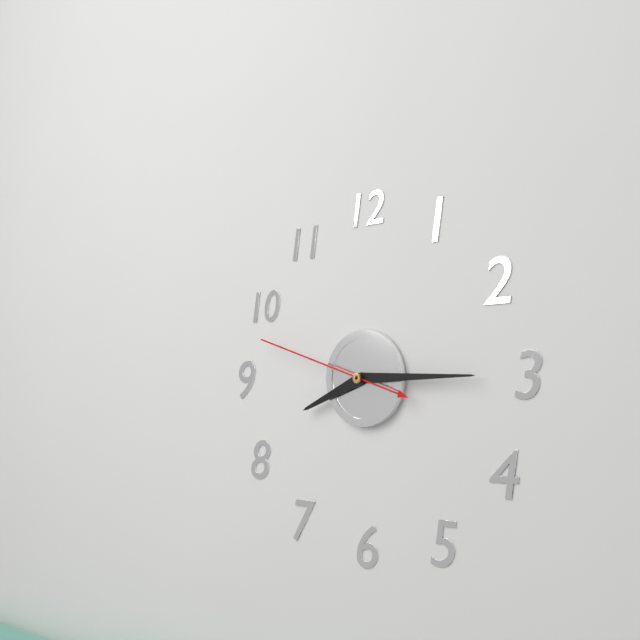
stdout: **8:15:48**
